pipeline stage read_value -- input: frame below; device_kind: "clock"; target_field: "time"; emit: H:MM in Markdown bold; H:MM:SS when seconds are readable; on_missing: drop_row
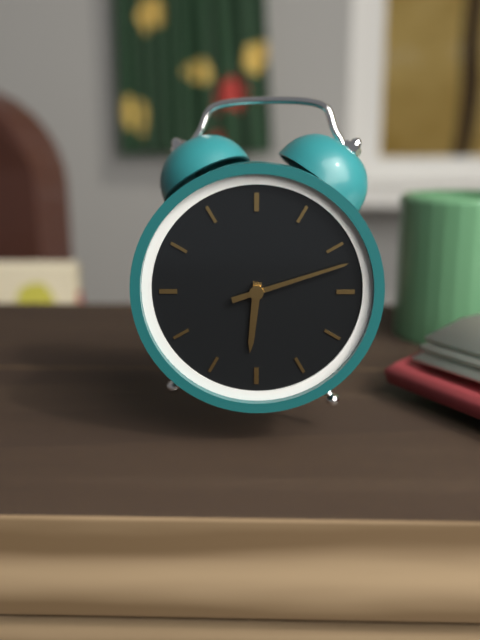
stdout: **6:12**
